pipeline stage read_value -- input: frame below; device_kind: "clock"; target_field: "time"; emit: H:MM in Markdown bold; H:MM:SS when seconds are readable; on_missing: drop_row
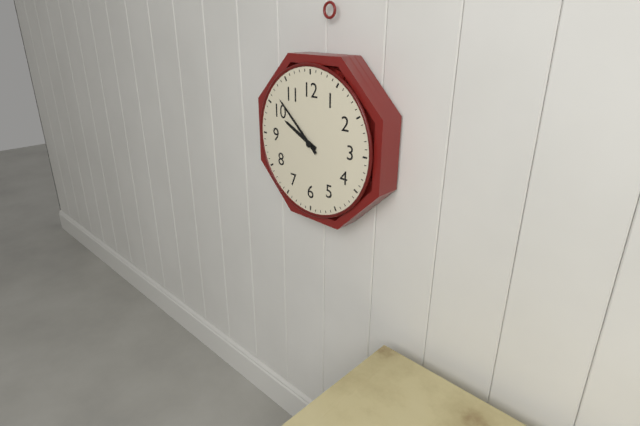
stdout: **9:52**
